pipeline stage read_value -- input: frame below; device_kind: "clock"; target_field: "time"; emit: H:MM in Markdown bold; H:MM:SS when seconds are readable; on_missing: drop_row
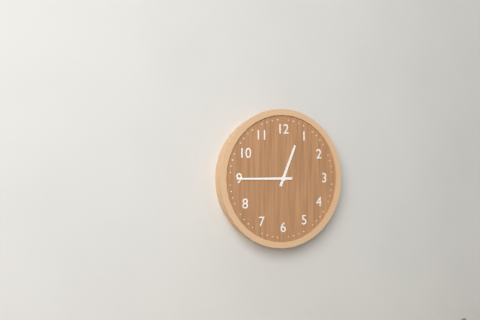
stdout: **12:45**
